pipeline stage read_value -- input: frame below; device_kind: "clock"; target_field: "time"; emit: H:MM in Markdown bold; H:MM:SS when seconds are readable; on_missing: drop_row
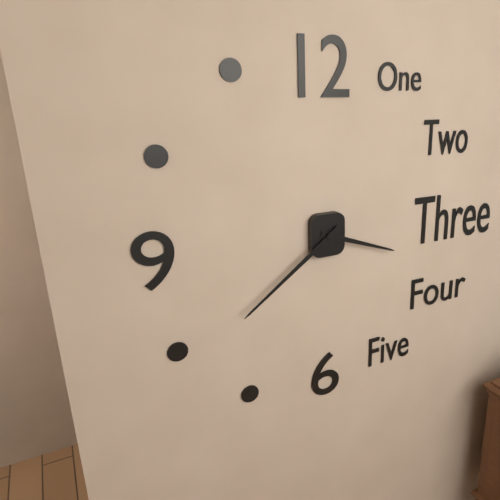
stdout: **3:39**
